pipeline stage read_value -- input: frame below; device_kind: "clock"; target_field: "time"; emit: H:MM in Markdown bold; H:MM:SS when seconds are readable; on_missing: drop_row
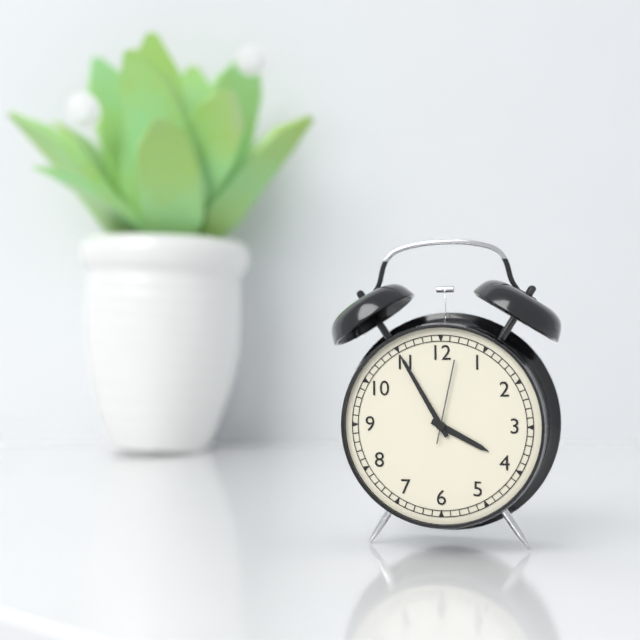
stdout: **3:55:02**
